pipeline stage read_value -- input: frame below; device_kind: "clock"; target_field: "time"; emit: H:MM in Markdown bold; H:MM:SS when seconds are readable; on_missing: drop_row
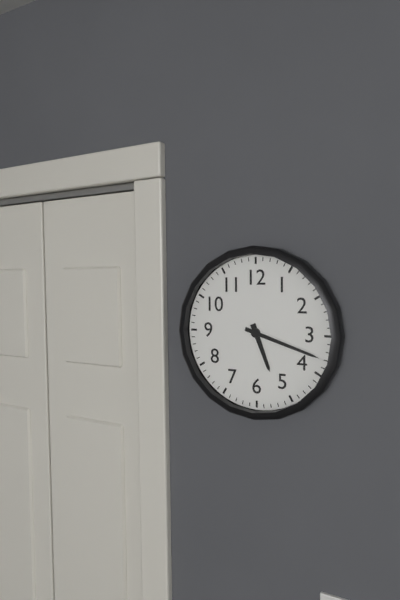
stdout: **5:18**
